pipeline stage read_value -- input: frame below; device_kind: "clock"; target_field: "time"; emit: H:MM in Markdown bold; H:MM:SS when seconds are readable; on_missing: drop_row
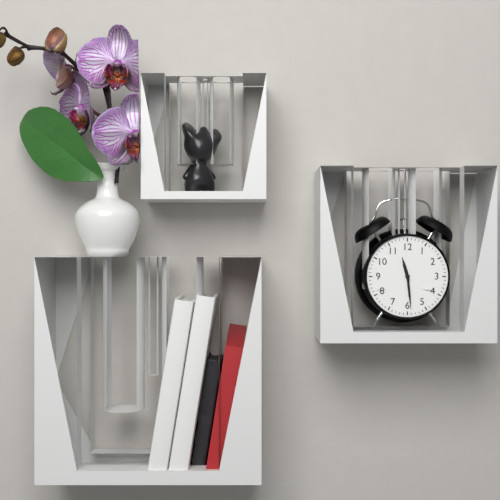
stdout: **11:29**
